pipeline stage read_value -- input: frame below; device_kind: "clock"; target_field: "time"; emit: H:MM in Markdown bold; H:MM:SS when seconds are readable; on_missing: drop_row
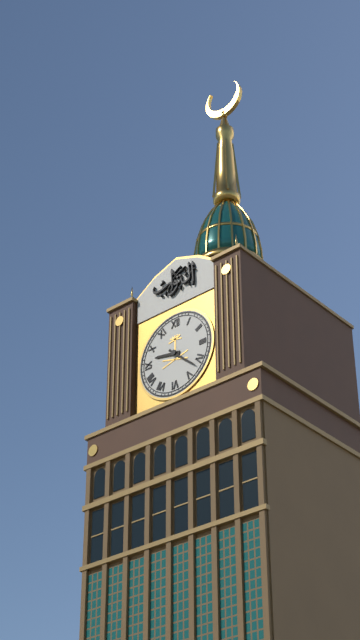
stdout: **9:22**
